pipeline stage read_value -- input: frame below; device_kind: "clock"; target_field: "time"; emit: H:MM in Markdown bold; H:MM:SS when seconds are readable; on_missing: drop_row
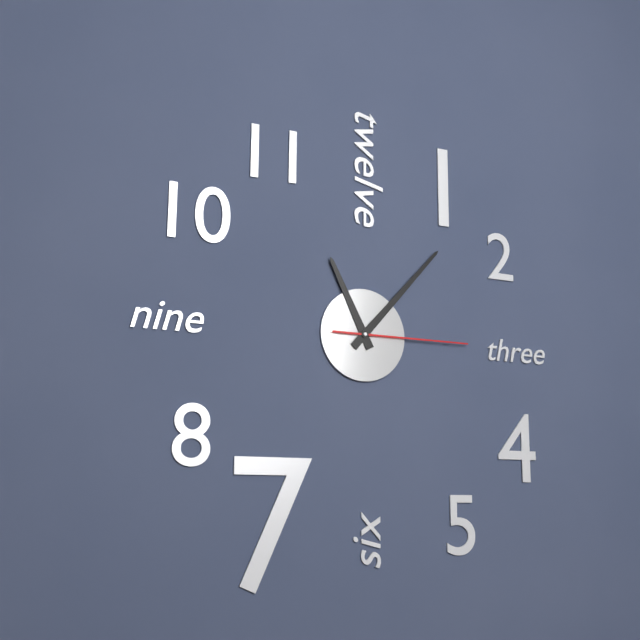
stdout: **11:07:15**
